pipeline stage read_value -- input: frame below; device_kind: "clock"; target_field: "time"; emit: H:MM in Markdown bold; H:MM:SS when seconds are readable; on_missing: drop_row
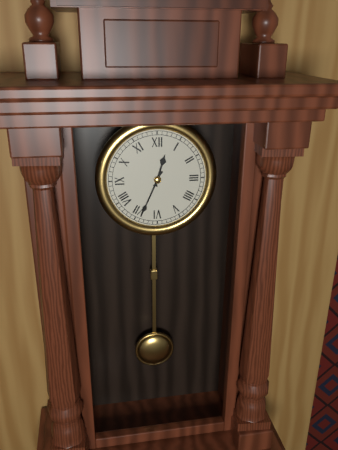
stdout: **12:34**
